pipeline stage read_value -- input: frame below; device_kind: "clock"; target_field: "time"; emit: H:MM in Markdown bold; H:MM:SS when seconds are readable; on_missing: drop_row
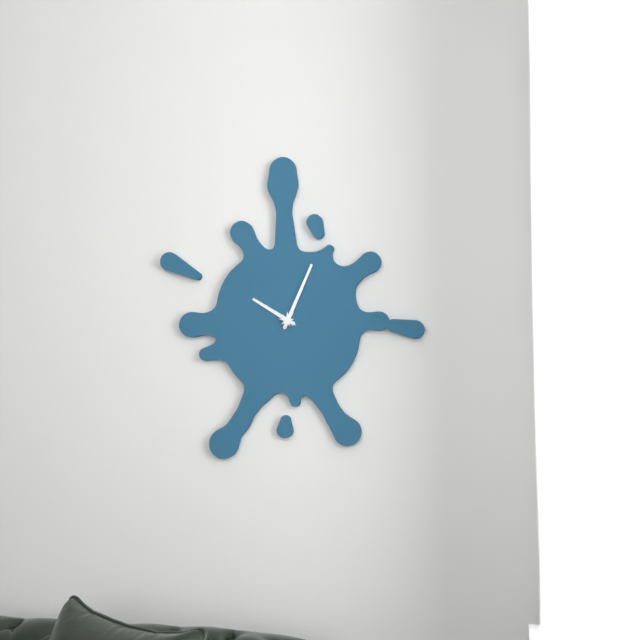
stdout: **10:04**
